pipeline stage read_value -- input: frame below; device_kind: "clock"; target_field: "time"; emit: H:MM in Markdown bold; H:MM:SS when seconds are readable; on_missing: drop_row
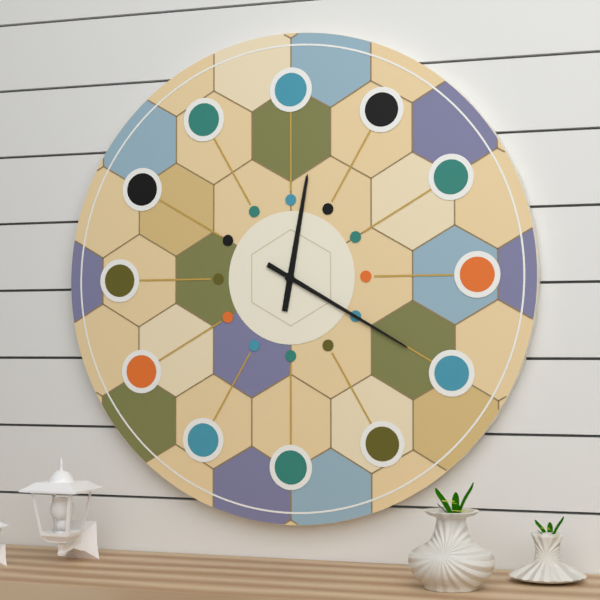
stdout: **12:20**
